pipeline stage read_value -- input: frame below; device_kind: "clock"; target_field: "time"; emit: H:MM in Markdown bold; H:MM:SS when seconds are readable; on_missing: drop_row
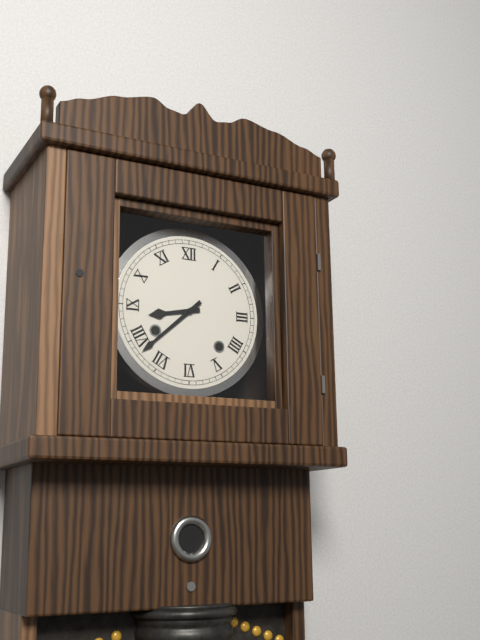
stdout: **8:38**
